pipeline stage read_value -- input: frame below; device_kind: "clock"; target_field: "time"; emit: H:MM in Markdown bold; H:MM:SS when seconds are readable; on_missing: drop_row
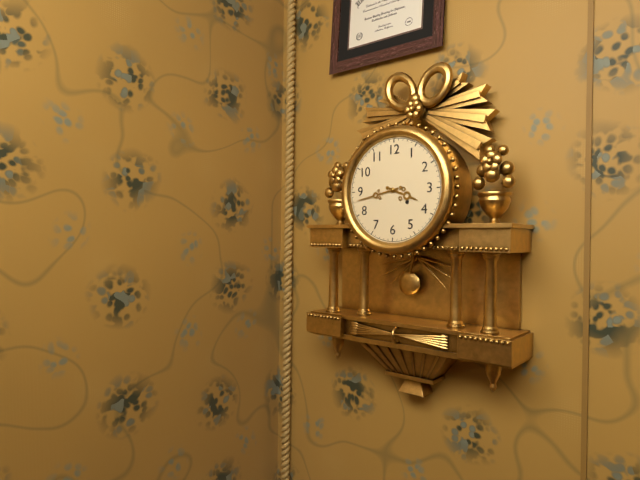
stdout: **3:43**
